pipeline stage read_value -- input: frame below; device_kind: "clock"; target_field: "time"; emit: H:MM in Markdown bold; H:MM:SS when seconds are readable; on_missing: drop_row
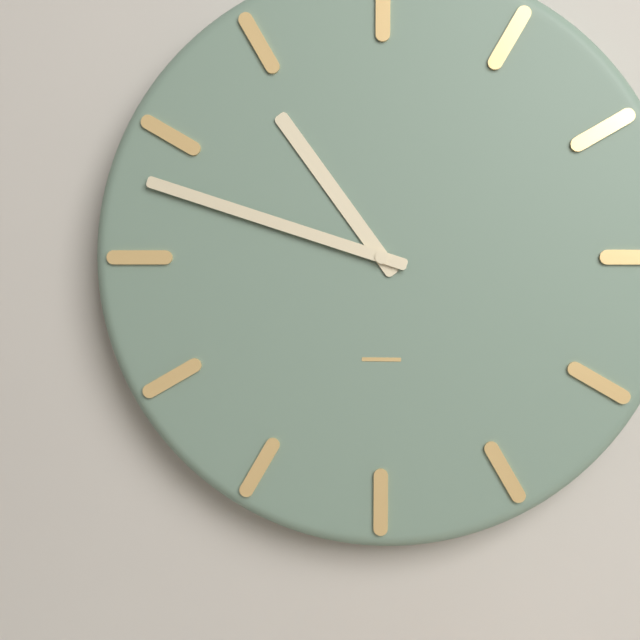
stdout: **10:48**
